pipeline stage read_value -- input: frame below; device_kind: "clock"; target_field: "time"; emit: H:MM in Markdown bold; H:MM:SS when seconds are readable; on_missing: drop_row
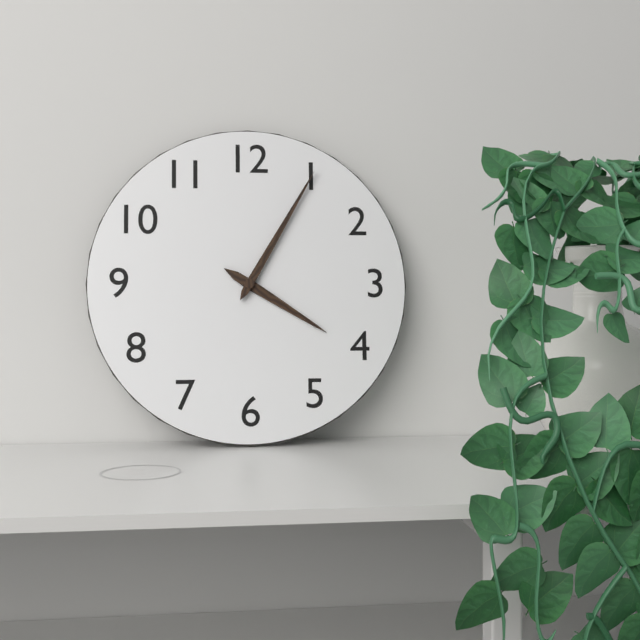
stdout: **4:05**
